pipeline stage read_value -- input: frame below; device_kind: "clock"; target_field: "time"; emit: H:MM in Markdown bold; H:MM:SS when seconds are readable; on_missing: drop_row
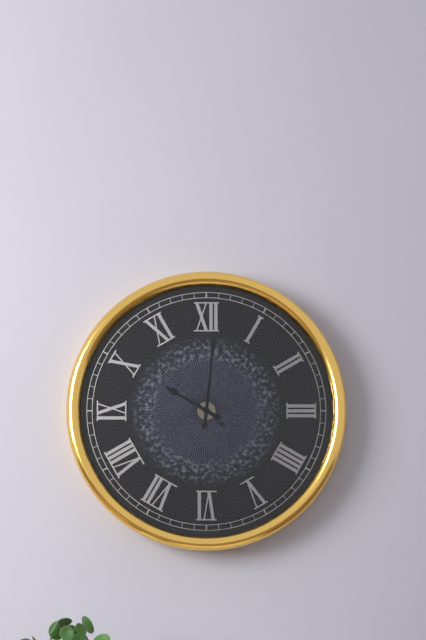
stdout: **10:01:52**
